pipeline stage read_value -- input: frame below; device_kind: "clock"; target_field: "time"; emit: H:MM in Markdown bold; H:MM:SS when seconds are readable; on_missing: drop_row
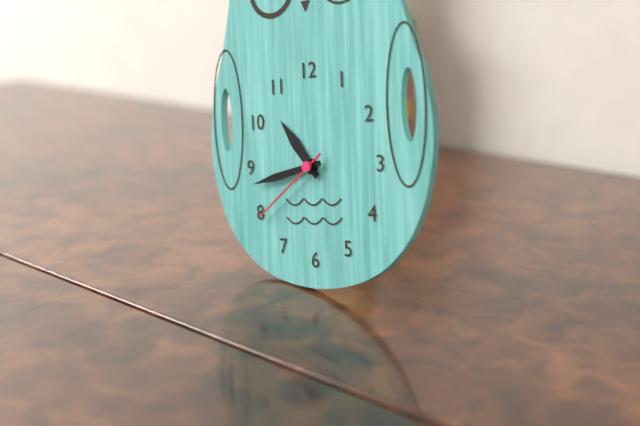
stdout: **10:43:39**
